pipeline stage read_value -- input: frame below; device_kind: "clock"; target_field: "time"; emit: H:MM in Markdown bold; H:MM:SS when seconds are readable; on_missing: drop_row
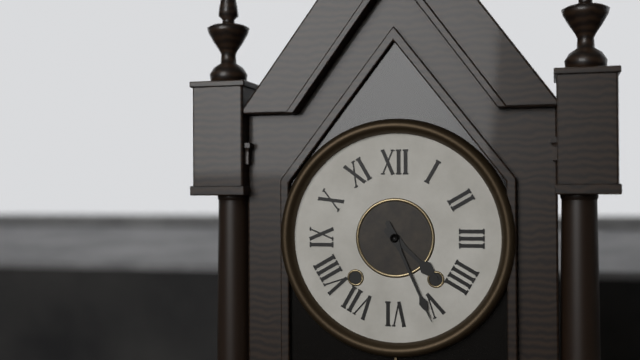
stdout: **4:26**
